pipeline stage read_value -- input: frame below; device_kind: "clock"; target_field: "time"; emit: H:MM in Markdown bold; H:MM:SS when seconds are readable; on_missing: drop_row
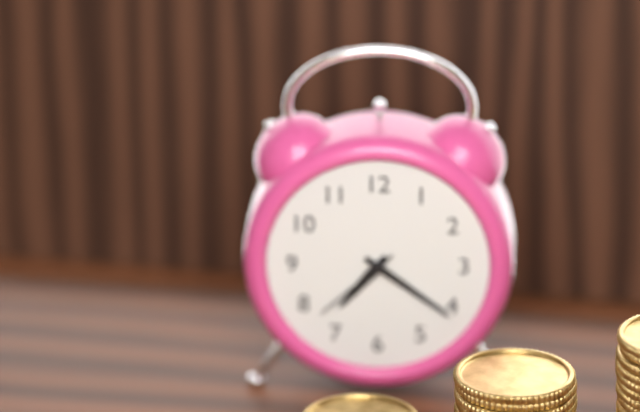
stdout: **7:21:38**
